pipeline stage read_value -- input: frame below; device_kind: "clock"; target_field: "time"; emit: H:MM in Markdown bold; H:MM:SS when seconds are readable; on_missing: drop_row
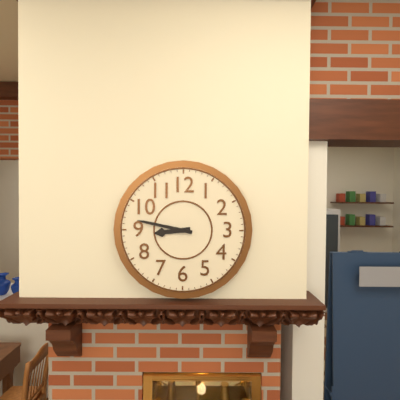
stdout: **8:47**
